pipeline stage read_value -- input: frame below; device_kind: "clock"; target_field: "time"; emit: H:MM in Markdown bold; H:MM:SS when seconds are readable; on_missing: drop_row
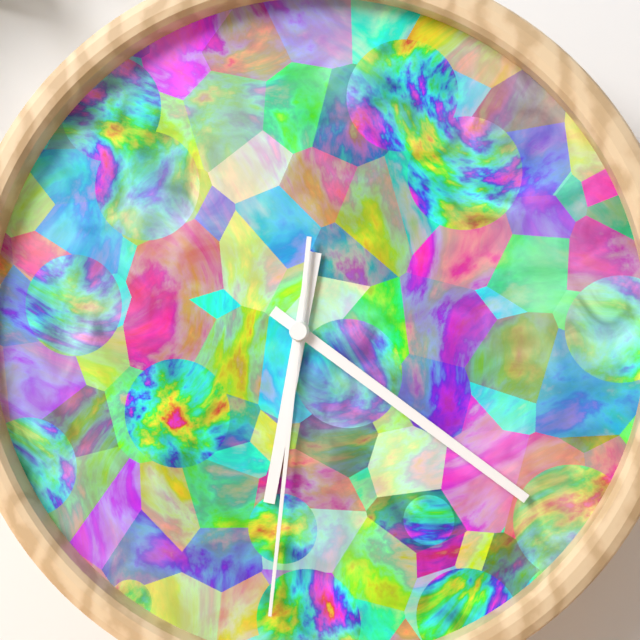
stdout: **6:21:31**
